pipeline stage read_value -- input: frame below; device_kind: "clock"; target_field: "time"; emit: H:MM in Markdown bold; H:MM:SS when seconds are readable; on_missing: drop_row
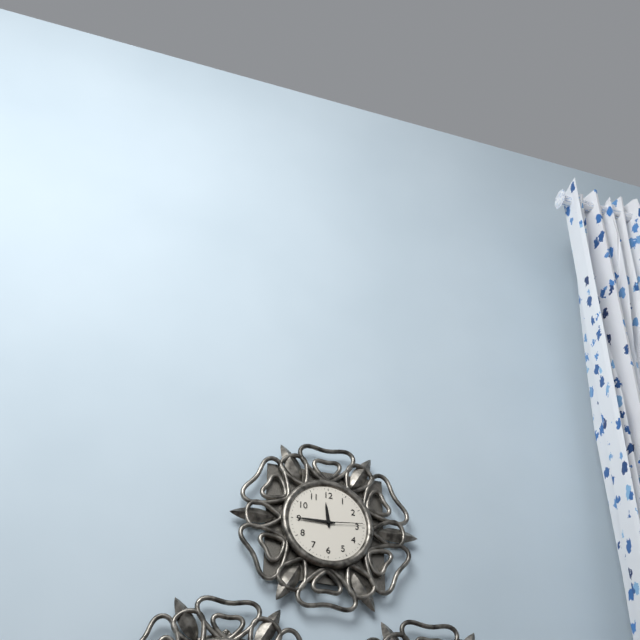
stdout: **11:45**
